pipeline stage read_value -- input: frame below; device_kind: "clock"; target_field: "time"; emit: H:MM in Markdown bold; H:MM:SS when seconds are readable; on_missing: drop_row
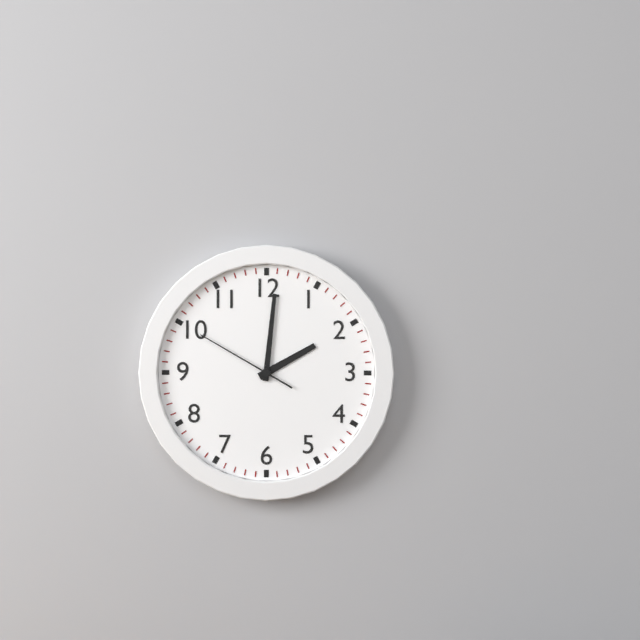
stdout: **2:01:50**
